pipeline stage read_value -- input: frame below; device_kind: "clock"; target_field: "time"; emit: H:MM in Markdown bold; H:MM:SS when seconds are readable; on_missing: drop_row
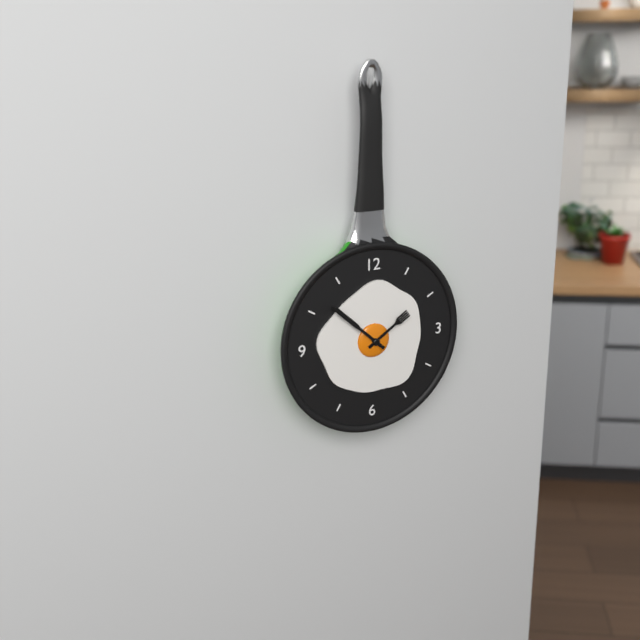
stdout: **1:52**
